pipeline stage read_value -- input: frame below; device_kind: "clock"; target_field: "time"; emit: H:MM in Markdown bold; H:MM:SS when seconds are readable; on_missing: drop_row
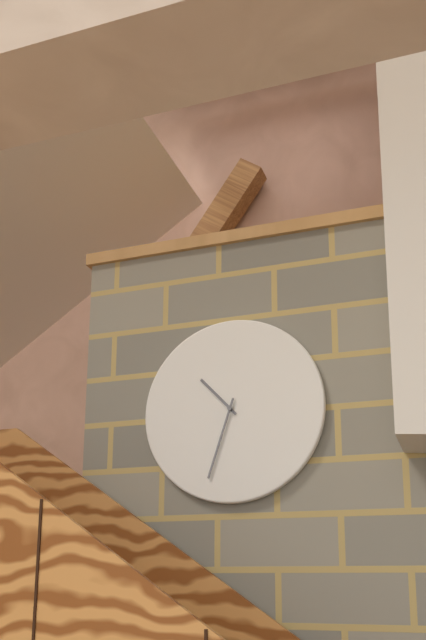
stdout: **10:33**
